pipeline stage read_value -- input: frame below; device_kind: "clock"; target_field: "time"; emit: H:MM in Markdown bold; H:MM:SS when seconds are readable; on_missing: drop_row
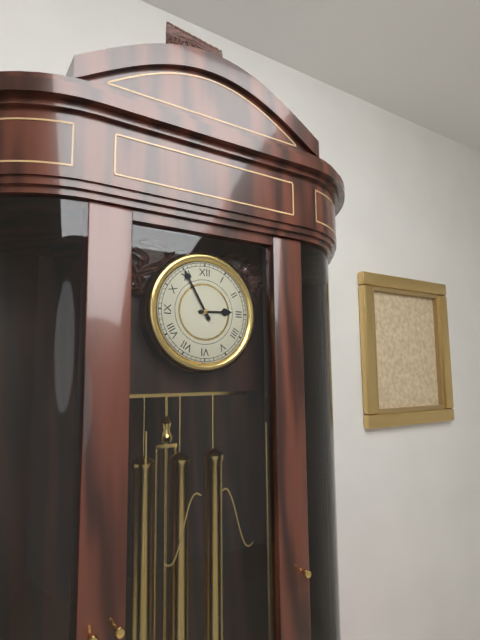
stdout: **2:55**
